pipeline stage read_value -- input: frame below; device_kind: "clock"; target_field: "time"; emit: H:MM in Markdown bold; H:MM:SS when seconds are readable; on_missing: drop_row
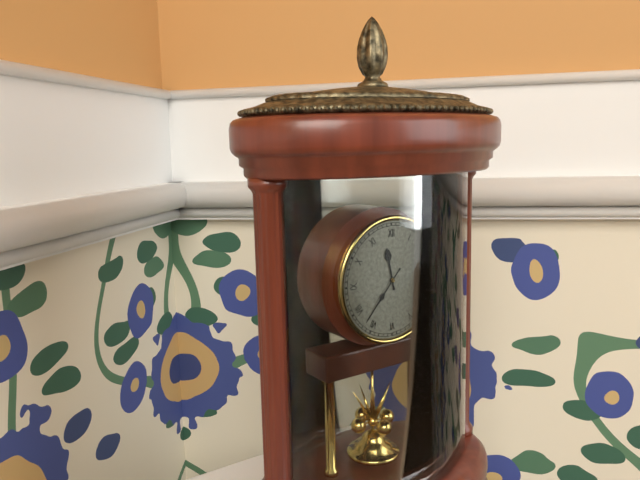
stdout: **11:37**
